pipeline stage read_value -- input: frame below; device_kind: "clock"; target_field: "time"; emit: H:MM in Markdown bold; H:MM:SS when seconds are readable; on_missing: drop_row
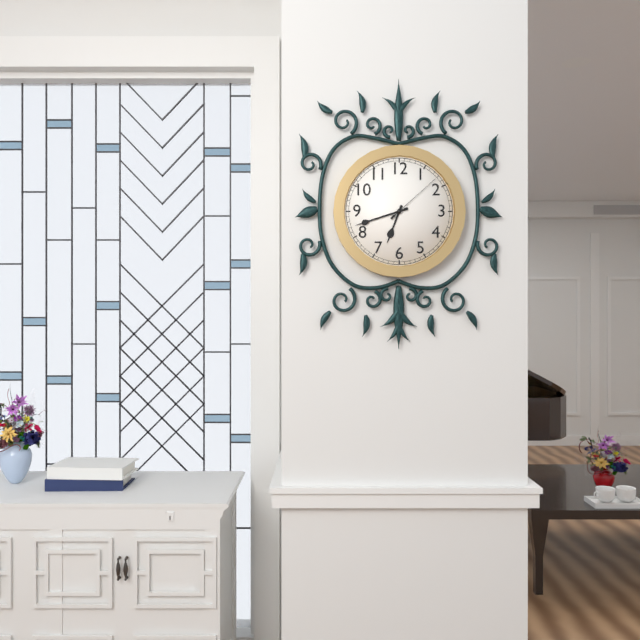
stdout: **6:42:08**
